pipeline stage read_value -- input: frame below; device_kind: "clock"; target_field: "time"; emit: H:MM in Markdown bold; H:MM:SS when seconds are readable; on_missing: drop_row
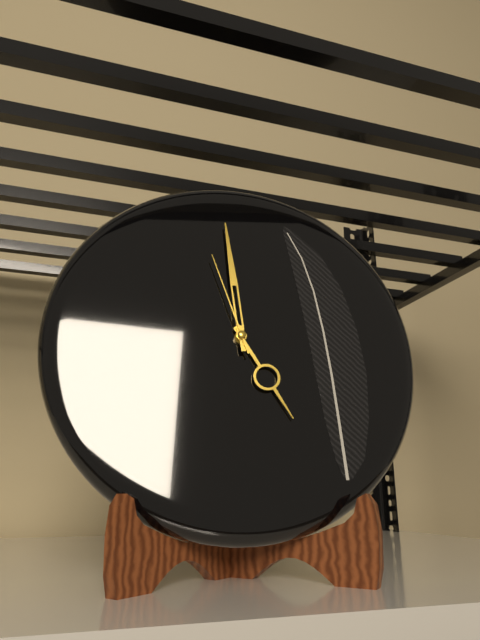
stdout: **4:59:57**
